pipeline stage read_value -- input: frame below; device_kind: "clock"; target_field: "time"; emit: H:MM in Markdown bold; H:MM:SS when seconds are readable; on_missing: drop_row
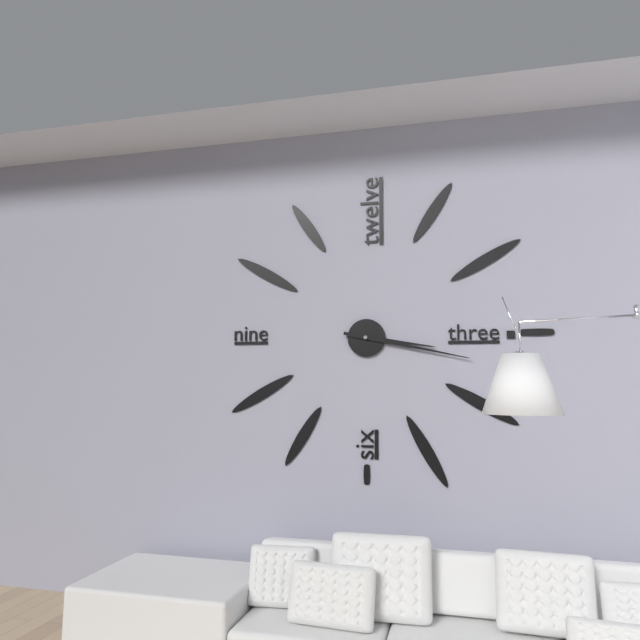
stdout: **3:17**
